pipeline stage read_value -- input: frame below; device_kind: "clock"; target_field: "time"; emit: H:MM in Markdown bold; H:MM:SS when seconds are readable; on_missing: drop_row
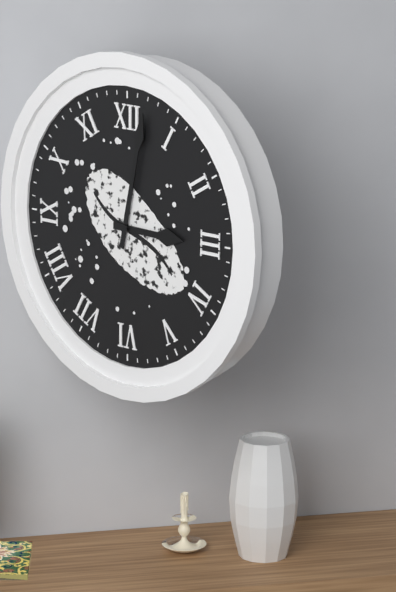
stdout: **3:02**
